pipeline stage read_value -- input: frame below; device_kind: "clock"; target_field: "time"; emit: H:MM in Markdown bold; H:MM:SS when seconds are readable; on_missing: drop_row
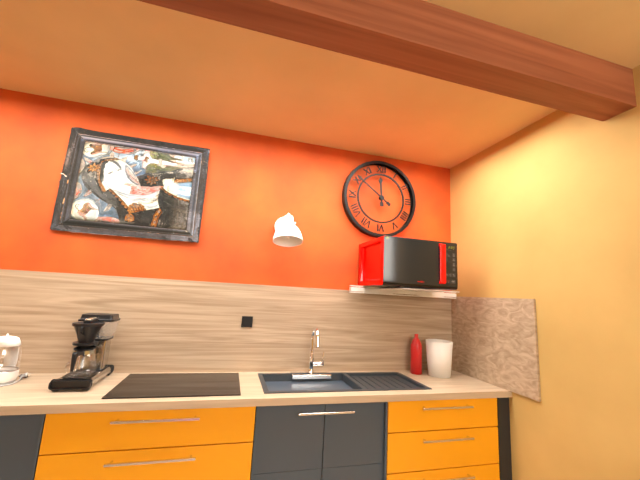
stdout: **11:51**
